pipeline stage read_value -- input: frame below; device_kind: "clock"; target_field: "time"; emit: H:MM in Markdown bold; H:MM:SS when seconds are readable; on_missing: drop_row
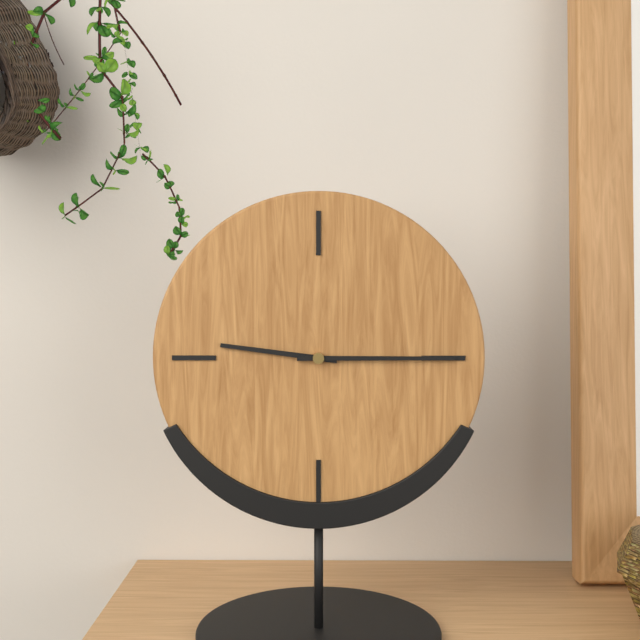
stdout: **9:15**
